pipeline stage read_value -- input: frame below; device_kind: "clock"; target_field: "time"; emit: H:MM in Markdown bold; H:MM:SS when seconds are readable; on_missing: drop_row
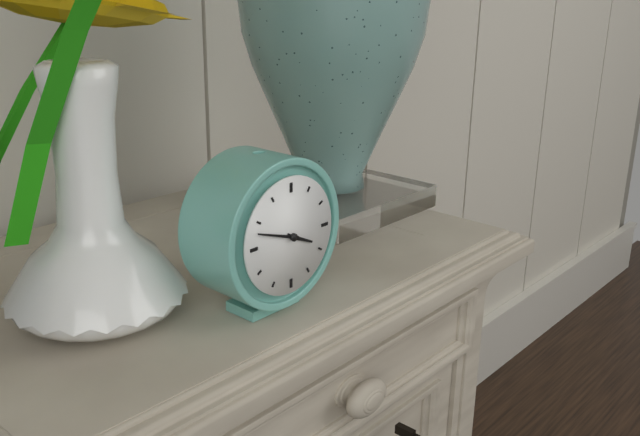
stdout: **3:48**
